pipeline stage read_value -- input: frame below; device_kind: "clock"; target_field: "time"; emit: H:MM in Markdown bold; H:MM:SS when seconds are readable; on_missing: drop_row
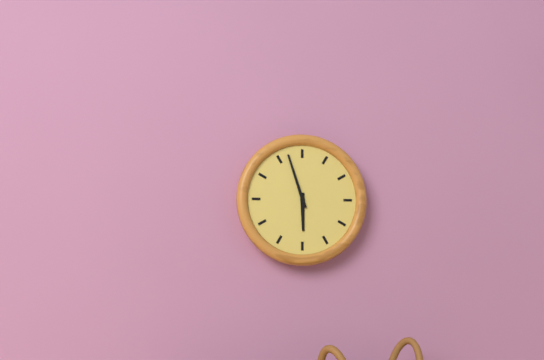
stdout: **5:57**
